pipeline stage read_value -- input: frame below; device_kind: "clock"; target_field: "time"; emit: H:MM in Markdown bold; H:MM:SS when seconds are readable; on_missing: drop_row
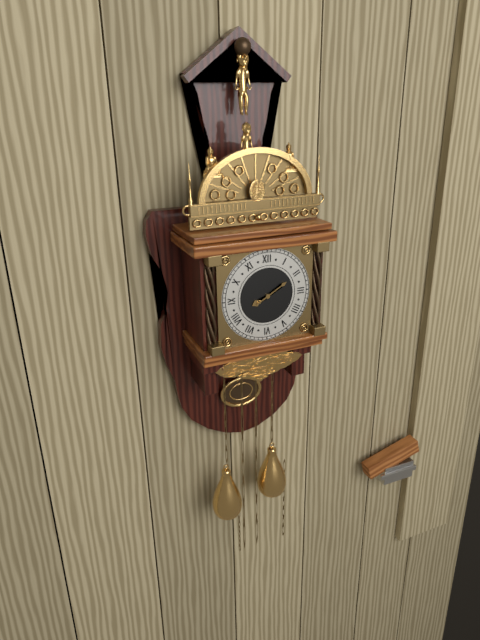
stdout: **8:10**
